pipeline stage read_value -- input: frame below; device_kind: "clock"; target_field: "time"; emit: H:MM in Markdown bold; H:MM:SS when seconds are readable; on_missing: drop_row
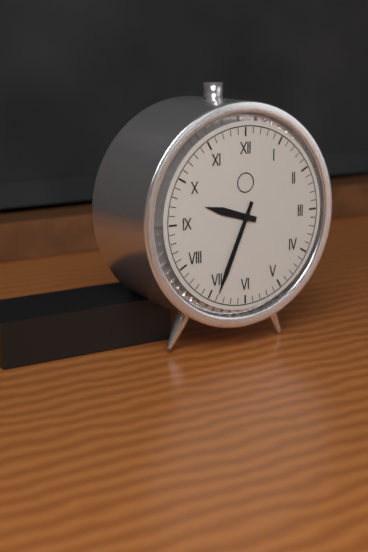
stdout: **9:34**
